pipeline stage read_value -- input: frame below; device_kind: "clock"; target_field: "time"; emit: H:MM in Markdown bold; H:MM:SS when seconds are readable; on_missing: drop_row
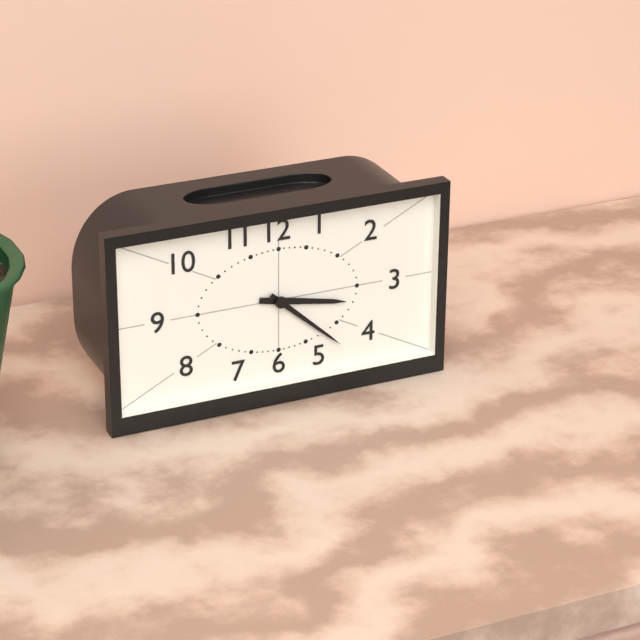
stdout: **3:22**
